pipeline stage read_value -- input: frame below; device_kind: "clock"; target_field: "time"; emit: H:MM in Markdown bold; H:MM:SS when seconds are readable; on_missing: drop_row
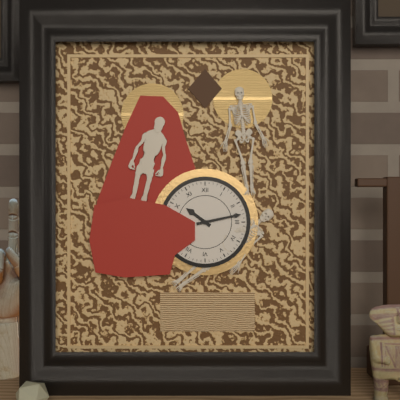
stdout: **10:13**
